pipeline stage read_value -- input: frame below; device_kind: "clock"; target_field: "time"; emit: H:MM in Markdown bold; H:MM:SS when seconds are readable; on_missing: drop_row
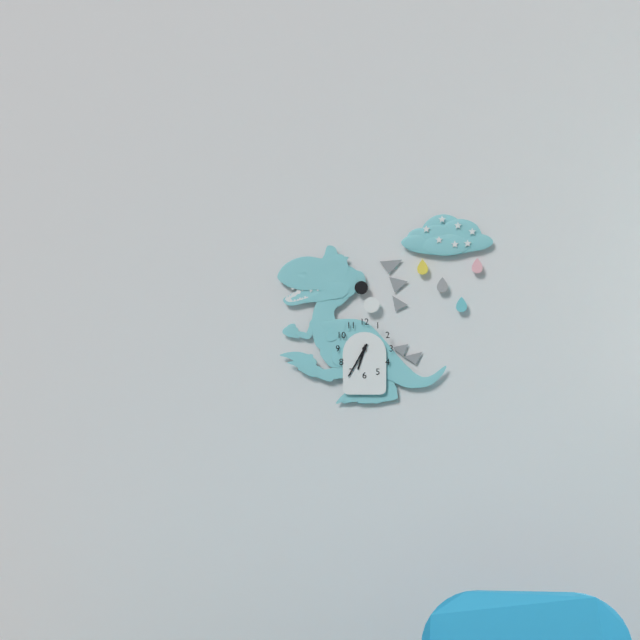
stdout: **6:35**
